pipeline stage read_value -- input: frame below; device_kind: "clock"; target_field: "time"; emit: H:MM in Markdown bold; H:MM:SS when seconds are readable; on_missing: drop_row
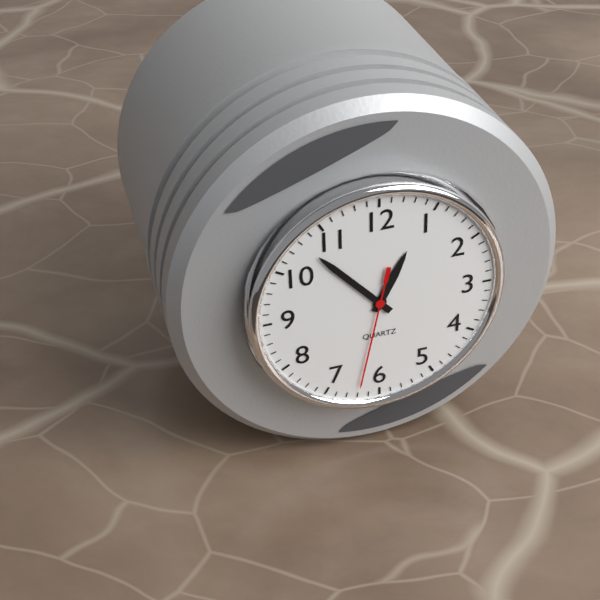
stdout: **12:53:32**
